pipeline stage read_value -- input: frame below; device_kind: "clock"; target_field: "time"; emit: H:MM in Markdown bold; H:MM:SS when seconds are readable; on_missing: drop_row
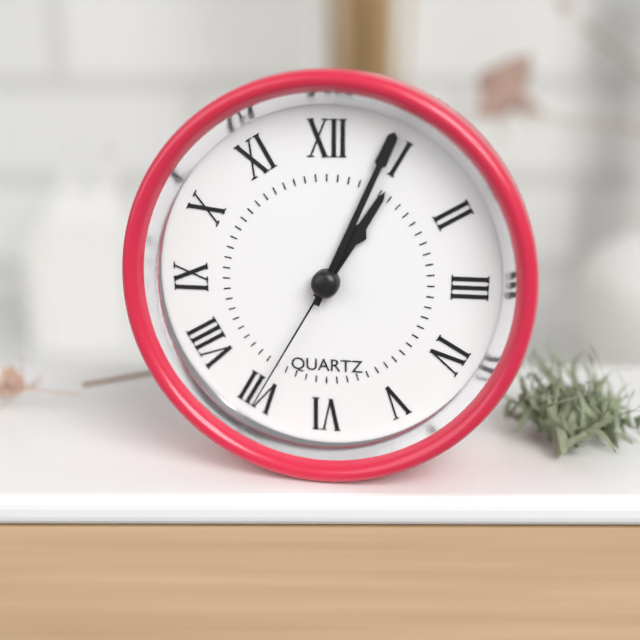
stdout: **1:04:35**
